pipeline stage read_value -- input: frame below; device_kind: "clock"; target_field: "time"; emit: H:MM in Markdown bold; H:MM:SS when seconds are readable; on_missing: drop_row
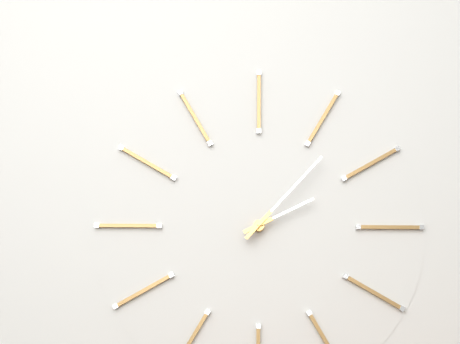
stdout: **2:07**
